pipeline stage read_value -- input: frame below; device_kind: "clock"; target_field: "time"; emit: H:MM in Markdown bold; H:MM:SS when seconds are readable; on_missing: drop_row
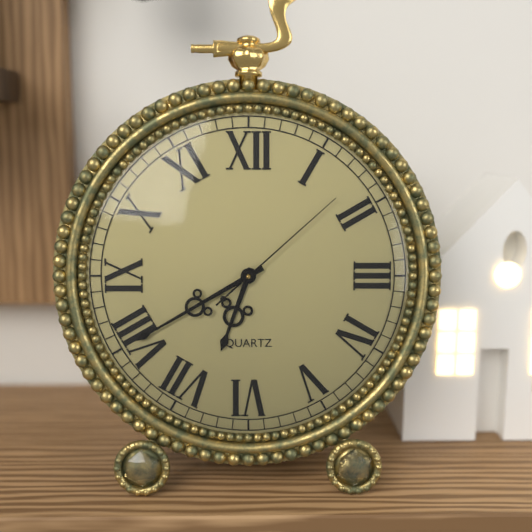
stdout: **6:40:08**
